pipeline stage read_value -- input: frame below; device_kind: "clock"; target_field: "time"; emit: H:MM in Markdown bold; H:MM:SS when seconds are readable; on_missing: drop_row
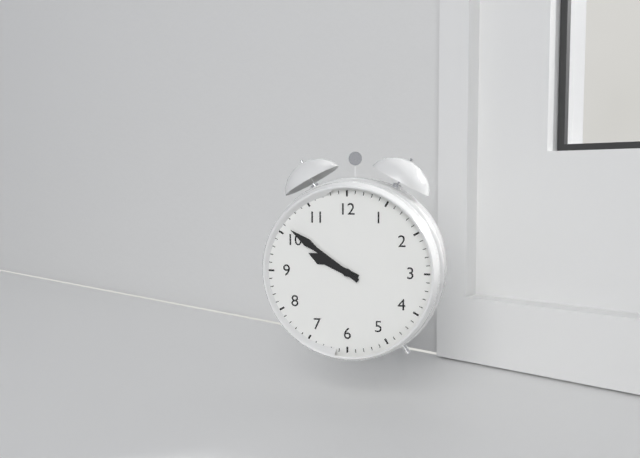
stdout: **9:51**
